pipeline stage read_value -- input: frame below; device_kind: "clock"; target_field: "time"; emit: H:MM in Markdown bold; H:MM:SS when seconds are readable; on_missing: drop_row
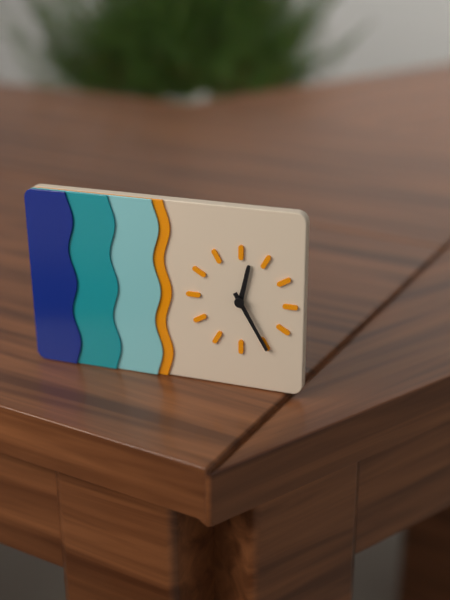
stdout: **12:25**
